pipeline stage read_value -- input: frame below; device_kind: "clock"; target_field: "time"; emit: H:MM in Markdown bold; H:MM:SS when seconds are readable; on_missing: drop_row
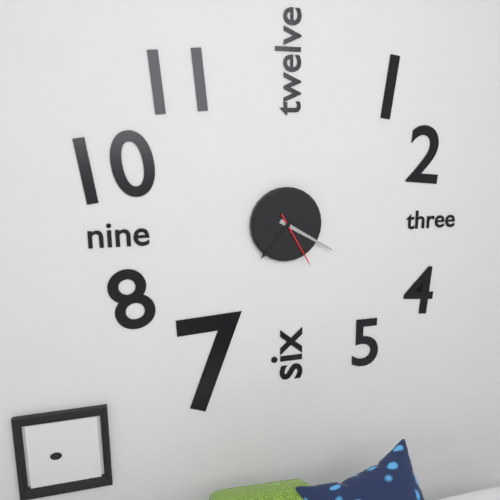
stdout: **7:20:25**
